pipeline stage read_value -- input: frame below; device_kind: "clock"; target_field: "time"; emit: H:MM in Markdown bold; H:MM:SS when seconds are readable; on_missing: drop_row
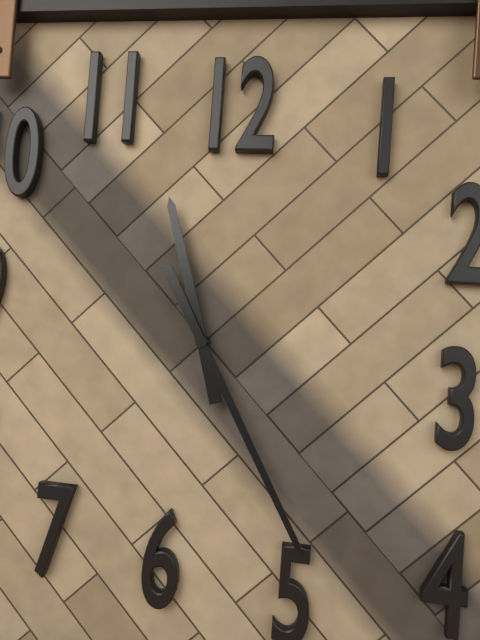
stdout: **11:25**
